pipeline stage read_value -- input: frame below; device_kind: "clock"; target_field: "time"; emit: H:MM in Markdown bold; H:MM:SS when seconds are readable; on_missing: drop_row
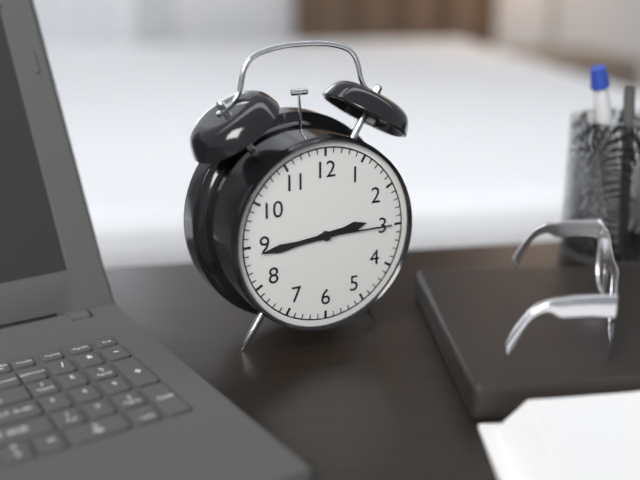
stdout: **2:44:15**
